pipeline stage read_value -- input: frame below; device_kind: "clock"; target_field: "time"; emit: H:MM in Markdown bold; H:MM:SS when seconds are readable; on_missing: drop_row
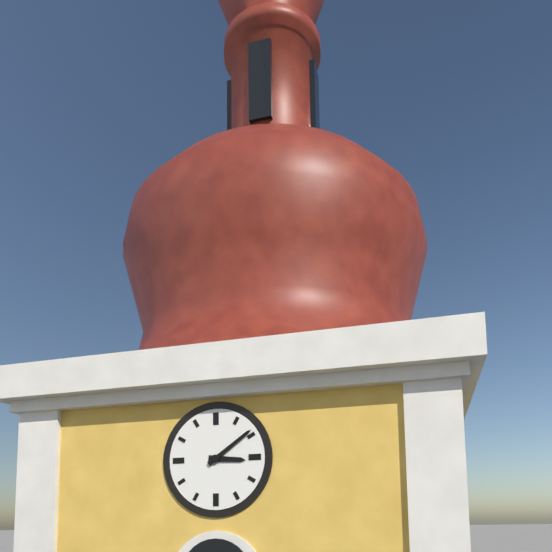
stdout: **3:09**
